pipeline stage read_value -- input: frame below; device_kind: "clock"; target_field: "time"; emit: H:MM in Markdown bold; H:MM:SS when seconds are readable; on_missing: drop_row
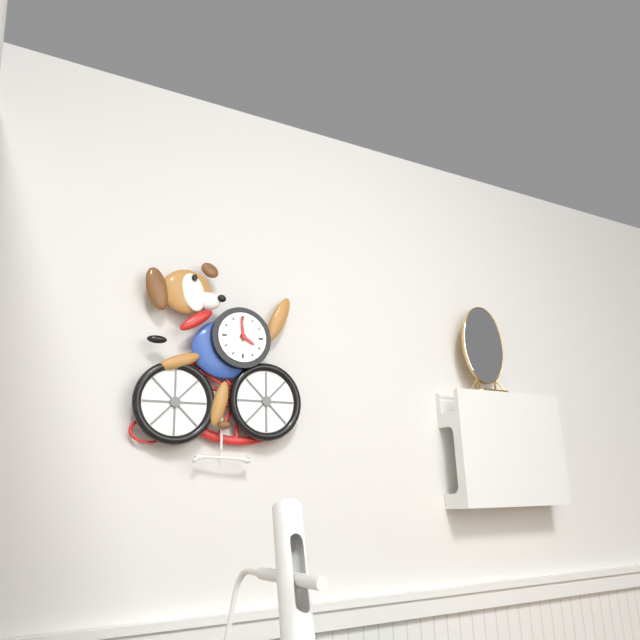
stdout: **3:59**
